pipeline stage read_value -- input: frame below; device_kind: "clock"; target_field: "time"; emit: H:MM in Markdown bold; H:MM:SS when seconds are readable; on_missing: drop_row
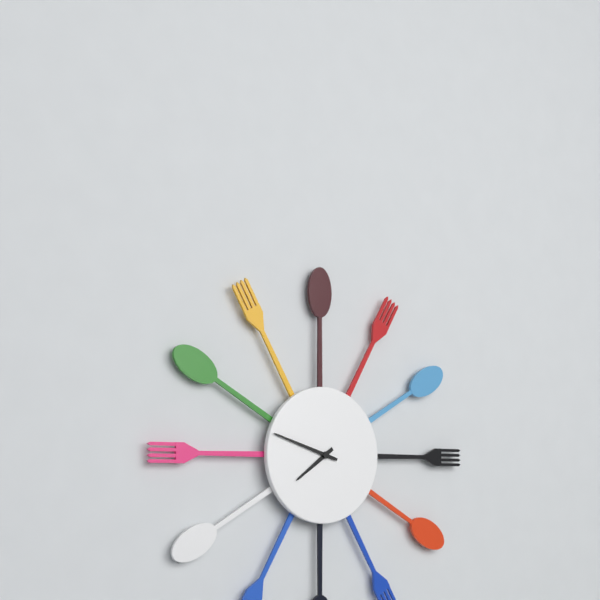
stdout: **7:48**
